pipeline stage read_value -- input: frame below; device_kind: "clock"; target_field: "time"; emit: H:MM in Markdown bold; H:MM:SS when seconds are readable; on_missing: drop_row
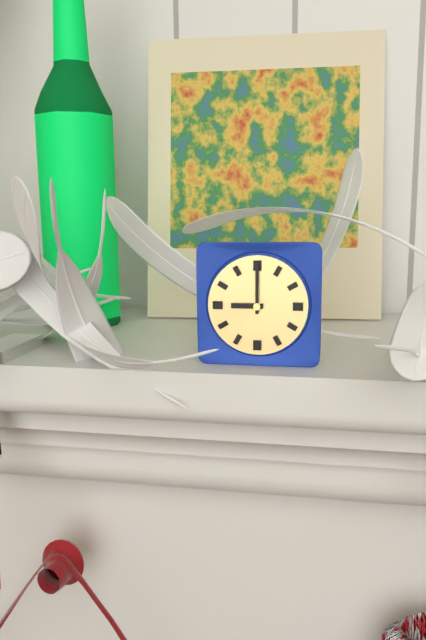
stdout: **9:00**
